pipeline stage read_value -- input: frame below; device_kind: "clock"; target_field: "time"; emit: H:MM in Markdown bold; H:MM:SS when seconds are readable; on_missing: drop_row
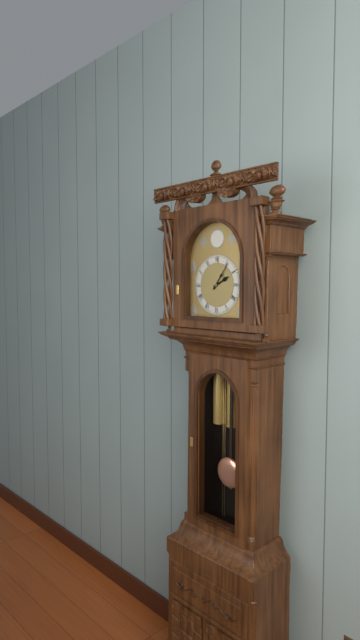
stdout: **2:06**
